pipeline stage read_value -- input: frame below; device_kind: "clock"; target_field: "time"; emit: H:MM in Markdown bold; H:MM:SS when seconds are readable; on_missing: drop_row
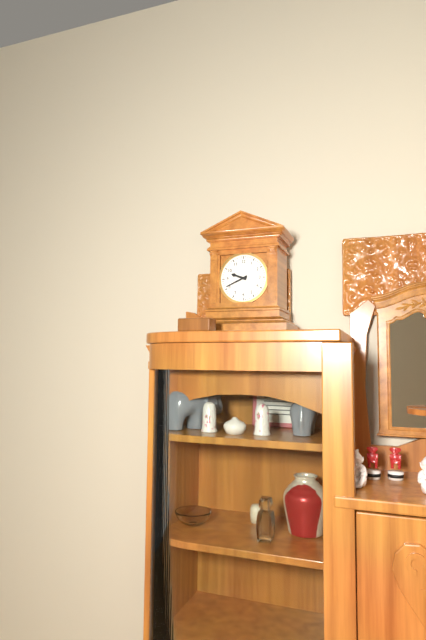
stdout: **9:41**
